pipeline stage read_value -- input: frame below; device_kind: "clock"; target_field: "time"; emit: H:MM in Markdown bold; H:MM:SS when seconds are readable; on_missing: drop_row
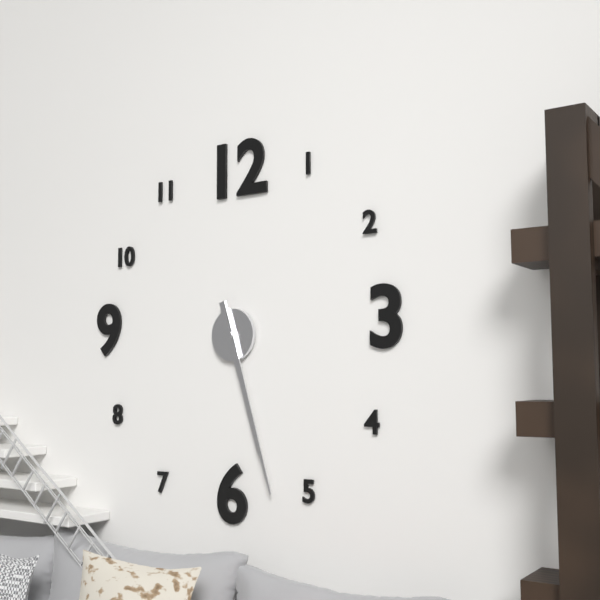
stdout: **5:27**
